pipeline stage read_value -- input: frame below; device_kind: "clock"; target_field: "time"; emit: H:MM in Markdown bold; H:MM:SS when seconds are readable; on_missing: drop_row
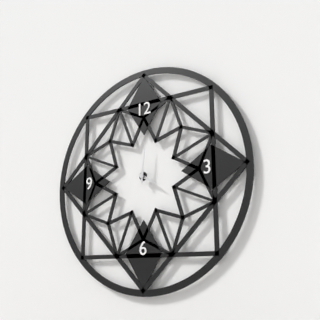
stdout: **4:01**
